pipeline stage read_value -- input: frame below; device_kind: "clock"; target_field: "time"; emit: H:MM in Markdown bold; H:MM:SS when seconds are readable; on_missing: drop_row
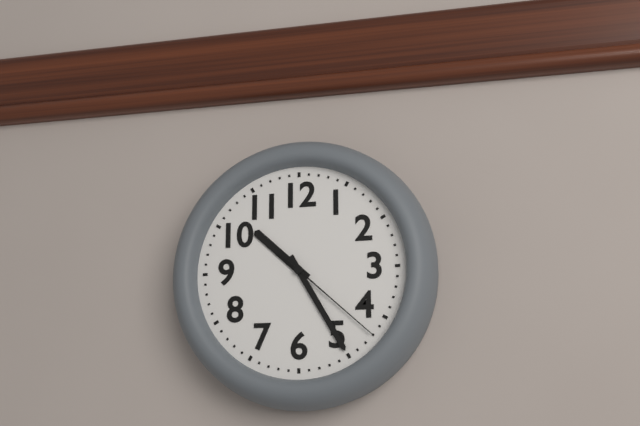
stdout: **10:25:22**
